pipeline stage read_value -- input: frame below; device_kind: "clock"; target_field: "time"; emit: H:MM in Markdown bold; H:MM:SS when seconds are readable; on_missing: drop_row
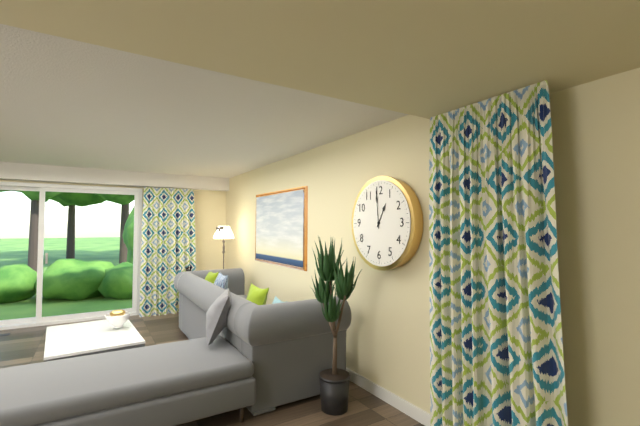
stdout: **12:59**
